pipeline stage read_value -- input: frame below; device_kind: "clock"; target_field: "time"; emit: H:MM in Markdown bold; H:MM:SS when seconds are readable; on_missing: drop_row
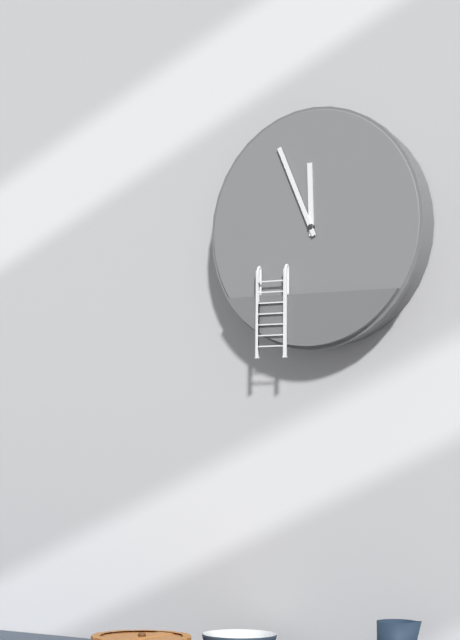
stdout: **11:56**
